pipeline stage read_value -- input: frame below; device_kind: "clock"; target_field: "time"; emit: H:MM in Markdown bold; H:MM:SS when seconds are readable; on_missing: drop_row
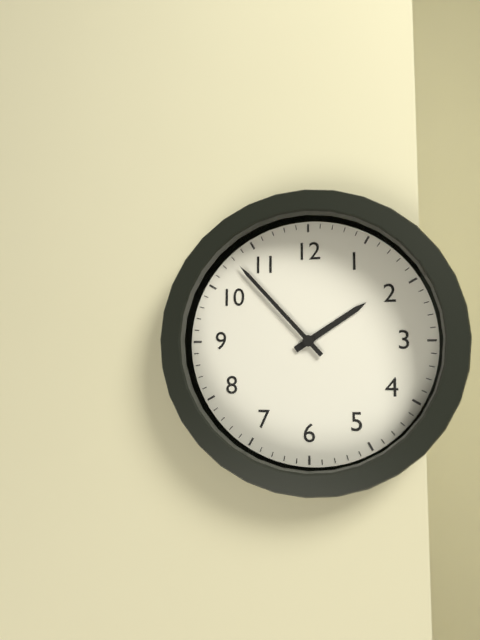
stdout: **1:53**
